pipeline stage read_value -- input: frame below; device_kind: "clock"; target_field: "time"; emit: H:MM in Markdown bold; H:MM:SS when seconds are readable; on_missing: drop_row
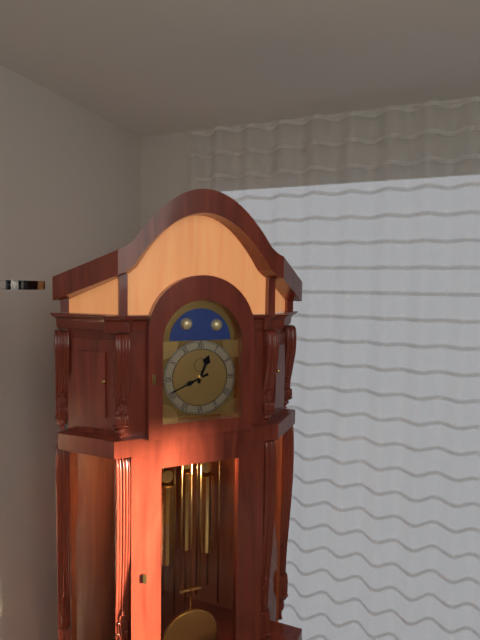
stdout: **12:41**
